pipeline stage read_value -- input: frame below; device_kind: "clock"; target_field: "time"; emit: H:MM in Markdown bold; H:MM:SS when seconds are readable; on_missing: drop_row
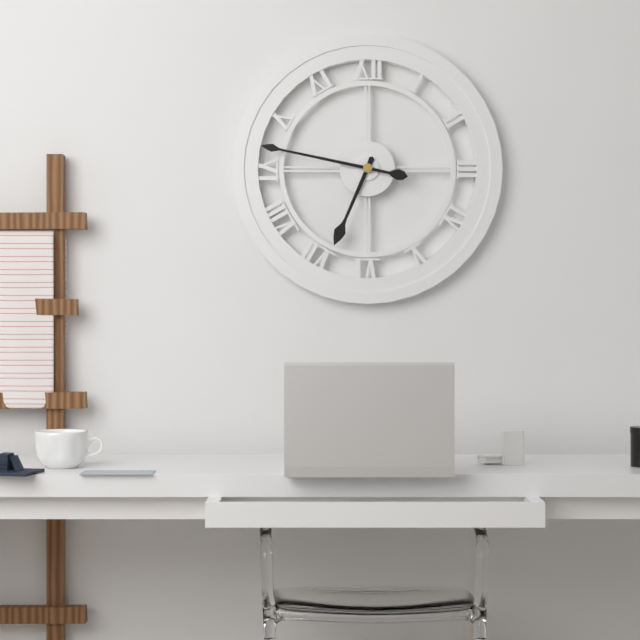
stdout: **6:47**
